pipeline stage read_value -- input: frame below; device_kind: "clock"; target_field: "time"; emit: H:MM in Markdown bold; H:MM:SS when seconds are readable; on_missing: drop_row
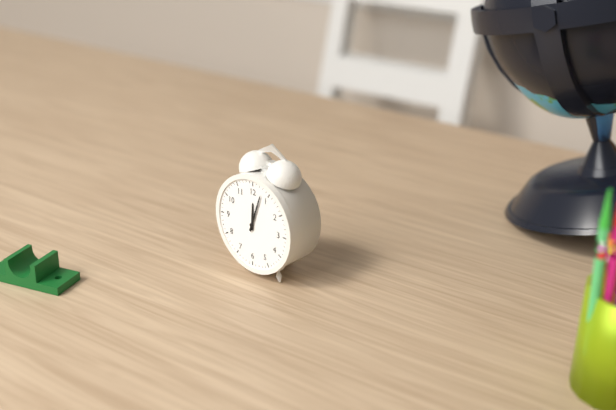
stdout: **12:03**
